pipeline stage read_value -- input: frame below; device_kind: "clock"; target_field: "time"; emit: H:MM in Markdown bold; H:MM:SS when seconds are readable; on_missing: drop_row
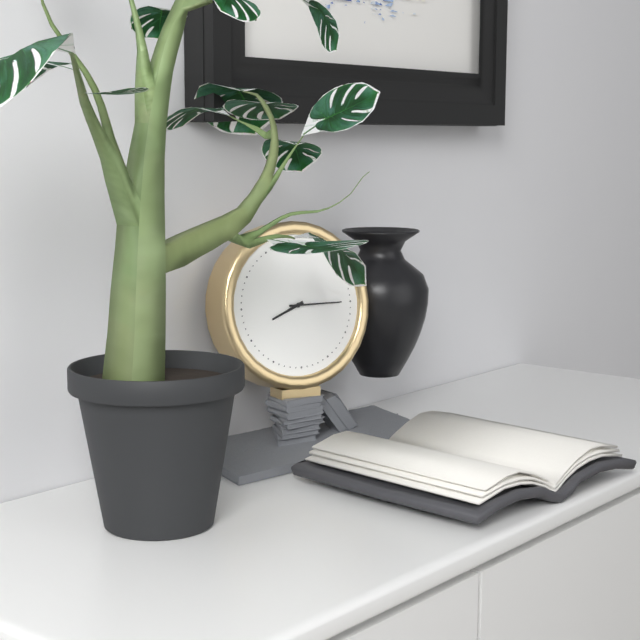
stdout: **8:15**
